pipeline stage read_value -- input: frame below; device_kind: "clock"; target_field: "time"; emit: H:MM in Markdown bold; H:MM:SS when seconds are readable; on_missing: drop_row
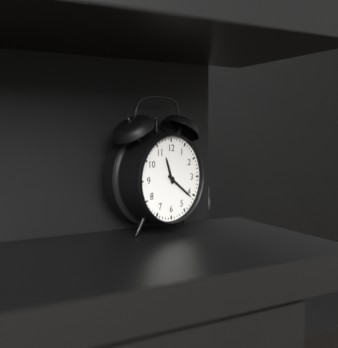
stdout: **11:21**
